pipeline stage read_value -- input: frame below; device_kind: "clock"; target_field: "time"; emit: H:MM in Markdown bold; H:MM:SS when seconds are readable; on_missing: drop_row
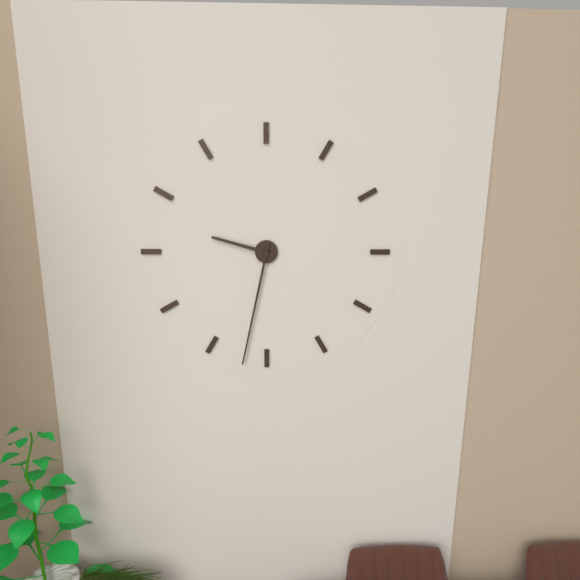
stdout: **9:32**
